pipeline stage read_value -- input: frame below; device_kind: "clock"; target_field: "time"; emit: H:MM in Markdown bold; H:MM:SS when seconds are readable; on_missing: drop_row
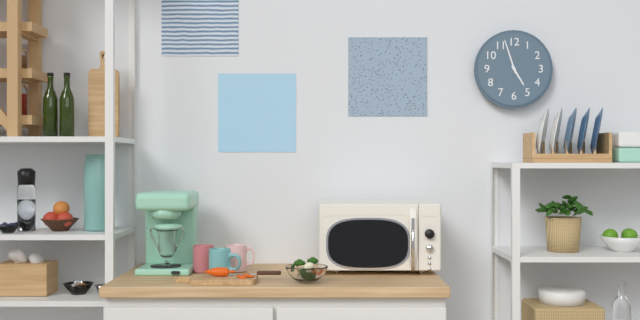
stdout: **4:57**
